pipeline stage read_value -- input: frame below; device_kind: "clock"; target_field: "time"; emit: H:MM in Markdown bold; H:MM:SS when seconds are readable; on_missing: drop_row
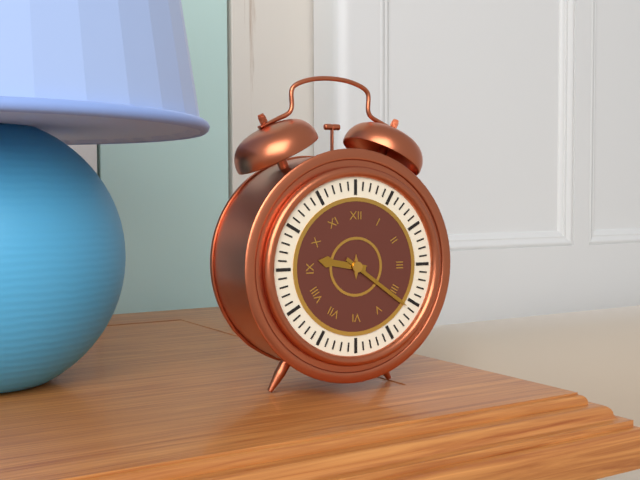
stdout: **9:21**
